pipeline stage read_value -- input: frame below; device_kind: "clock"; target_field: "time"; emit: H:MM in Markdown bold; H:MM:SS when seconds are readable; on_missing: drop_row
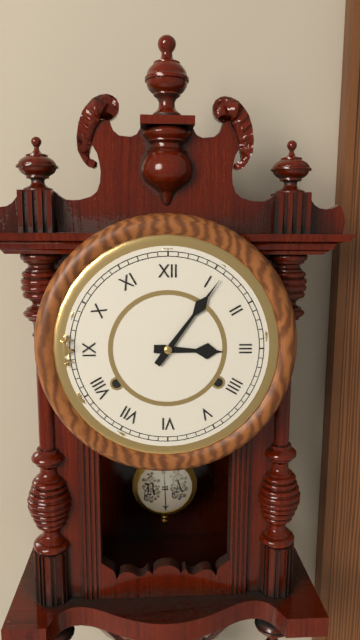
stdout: **3:06**
